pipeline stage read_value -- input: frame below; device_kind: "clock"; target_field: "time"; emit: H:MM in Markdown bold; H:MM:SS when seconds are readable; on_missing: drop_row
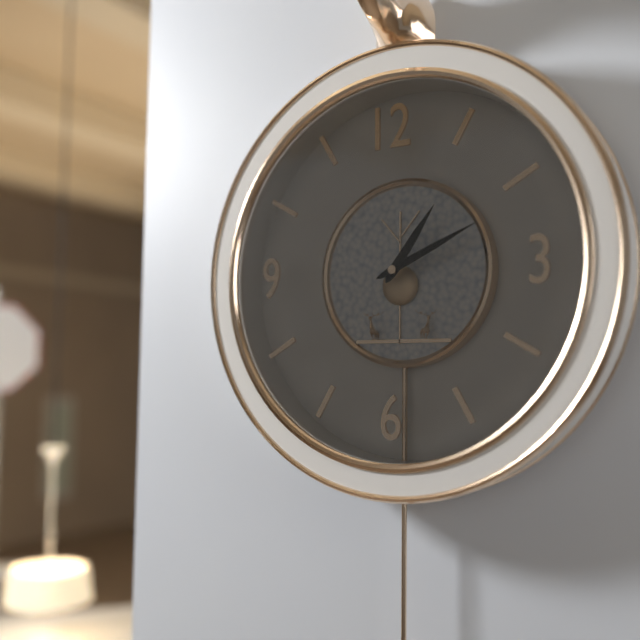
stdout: **1:11**
